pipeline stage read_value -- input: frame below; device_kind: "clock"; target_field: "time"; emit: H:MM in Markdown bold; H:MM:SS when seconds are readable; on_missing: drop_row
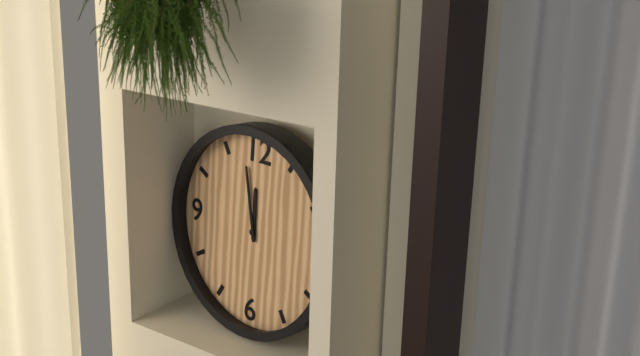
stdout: **11:58**
